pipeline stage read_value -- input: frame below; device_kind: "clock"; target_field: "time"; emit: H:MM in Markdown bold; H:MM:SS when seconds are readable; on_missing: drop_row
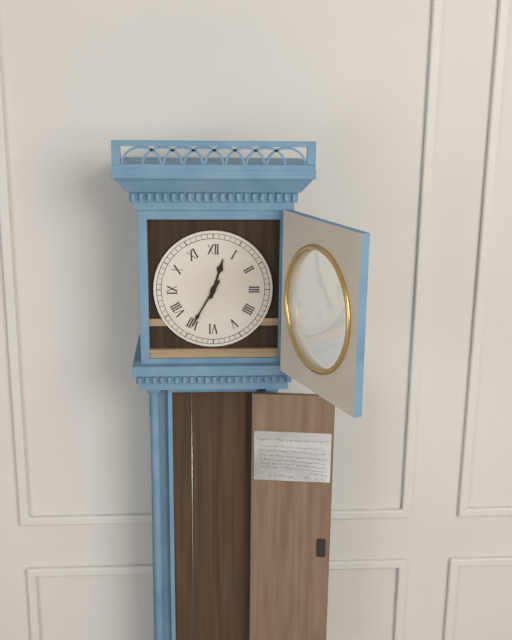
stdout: **12:35**
